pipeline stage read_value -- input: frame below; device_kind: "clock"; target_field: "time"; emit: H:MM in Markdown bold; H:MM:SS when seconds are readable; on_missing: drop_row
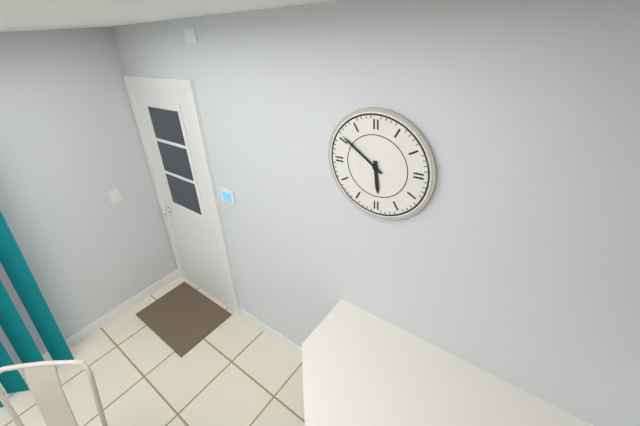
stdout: **5:51**
